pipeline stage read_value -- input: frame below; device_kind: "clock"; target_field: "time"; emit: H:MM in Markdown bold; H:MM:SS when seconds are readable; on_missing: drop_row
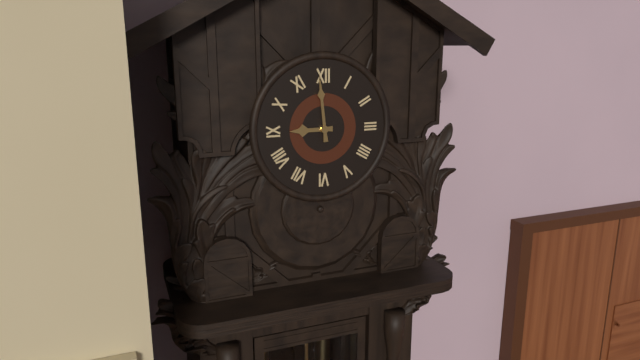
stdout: **8:59**
